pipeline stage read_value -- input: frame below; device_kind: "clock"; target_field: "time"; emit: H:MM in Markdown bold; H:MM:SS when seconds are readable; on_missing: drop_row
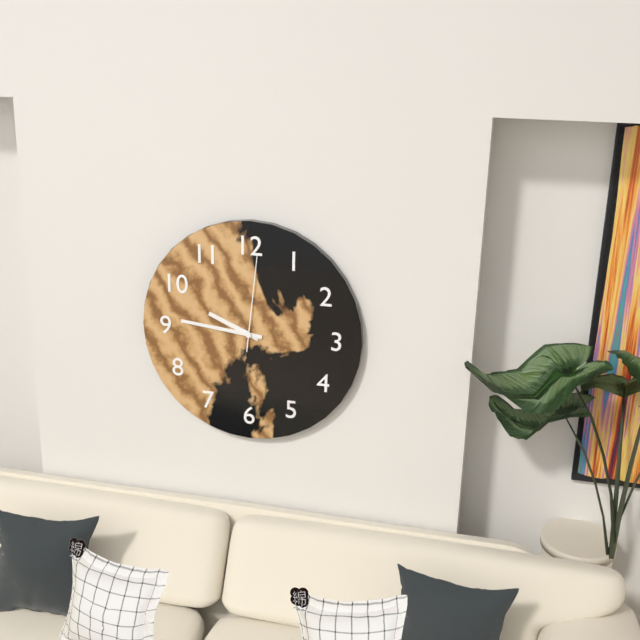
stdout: **9:46:01**
